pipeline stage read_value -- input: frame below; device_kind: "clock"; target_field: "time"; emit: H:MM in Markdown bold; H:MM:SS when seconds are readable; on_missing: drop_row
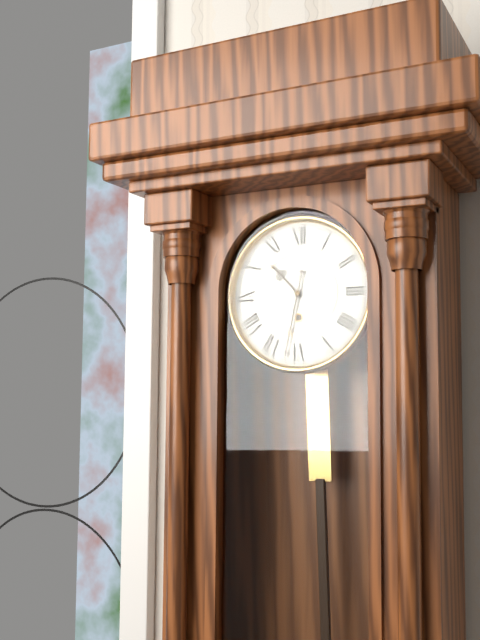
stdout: **10:32**
